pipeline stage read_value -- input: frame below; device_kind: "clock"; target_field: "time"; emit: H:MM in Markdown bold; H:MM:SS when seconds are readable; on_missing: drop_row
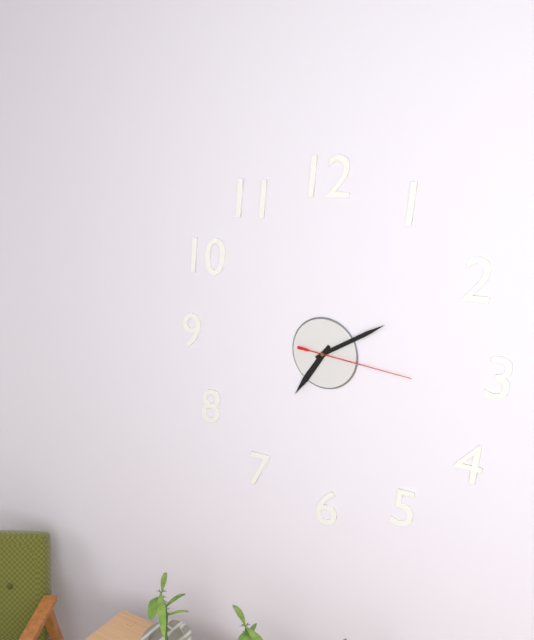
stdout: **7:10:16**
